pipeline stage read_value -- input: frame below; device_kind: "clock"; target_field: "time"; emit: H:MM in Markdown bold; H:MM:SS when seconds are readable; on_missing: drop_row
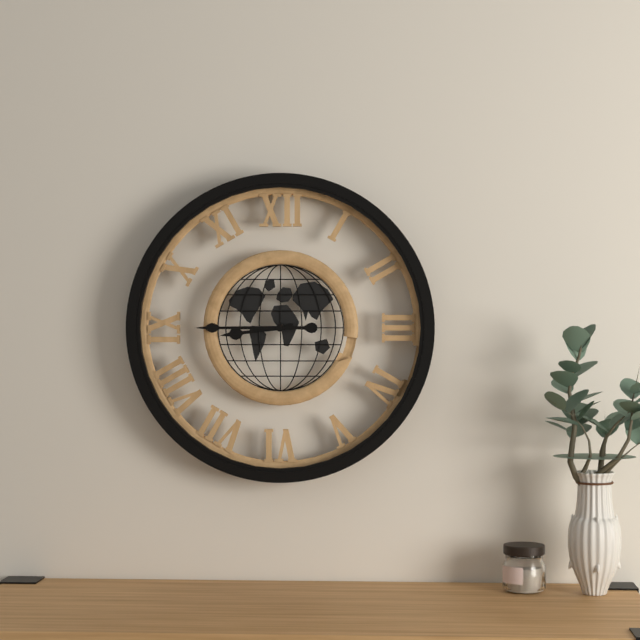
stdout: **8:45**
